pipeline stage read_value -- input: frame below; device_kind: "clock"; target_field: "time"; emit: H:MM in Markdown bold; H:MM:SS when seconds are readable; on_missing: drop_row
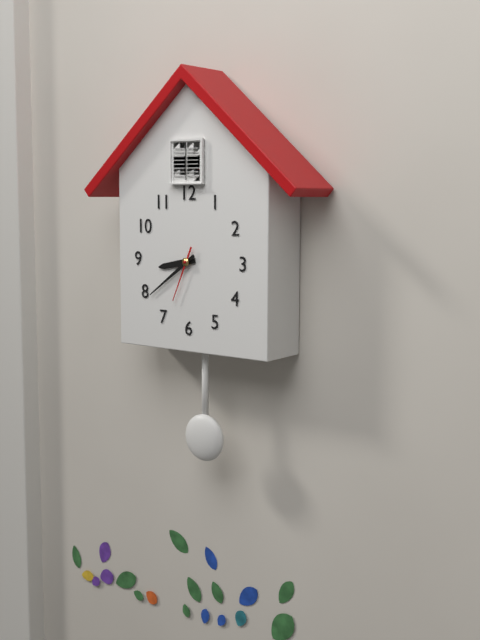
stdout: **8:39:34**
